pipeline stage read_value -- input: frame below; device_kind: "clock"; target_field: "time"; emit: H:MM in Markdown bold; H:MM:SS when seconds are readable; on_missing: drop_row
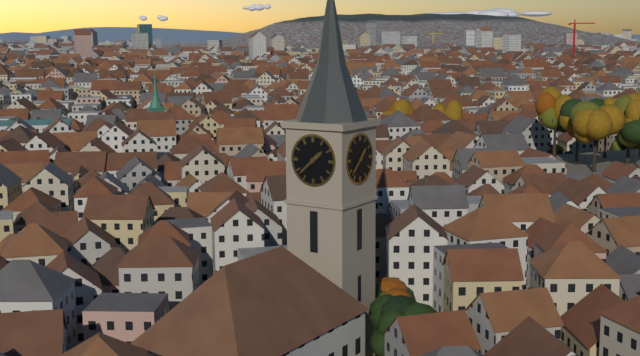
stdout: **1:38**
